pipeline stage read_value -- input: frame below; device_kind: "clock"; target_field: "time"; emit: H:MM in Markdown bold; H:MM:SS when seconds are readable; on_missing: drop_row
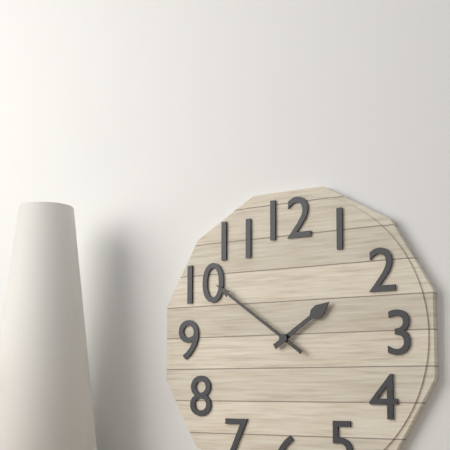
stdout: **1:51**
